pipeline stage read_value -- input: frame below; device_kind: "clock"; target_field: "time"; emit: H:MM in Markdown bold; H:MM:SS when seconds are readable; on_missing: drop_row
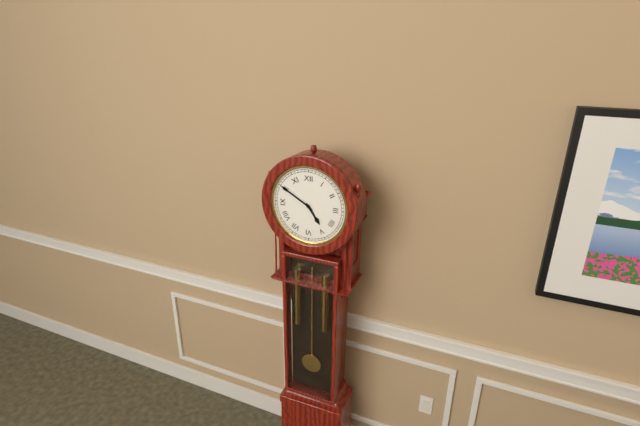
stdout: **4:50**
